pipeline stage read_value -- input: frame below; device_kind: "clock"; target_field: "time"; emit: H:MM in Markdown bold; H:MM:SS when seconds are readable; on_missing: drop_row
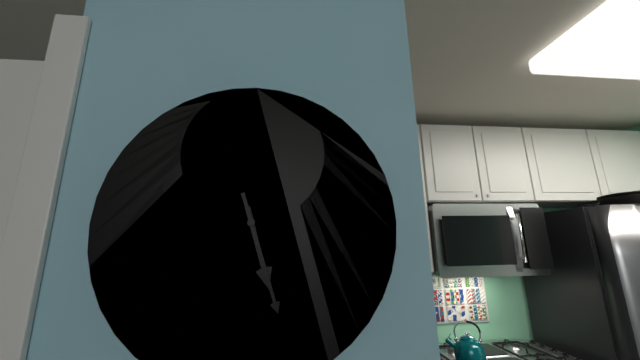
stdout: **5:27**
